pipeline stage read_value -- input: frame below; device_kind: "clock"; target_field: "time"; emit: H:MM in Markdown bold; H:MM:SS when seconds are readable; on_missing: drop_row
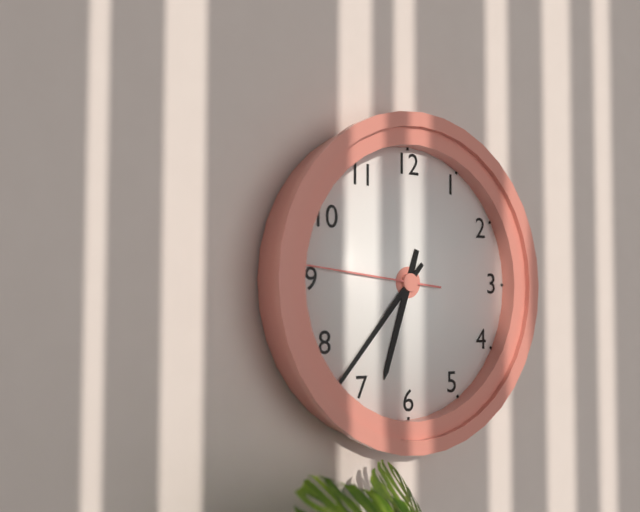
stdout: **6:37:46**
